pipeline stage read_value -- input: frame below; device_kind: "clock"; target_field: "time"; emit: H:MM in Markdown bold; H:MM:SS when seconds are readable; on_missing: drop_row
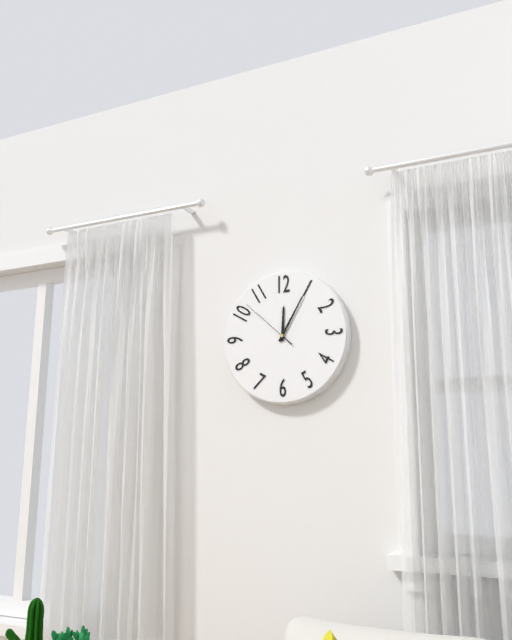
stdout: **12:05:52**
